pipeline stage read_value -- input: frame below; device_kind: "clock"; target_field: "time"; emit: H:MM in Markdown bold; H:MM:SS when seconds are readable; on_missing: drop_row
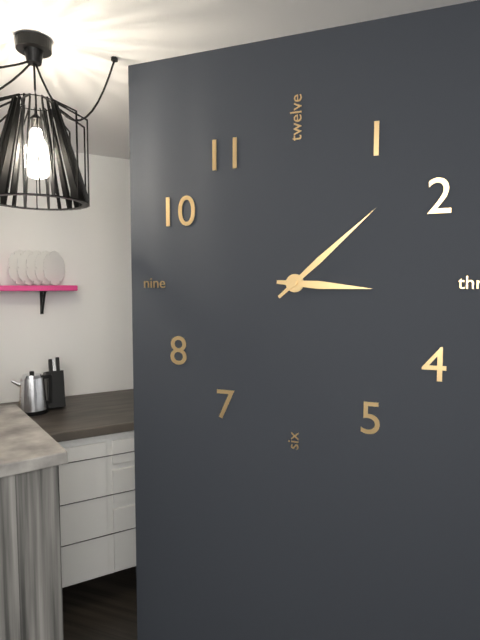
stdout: **3:08**
